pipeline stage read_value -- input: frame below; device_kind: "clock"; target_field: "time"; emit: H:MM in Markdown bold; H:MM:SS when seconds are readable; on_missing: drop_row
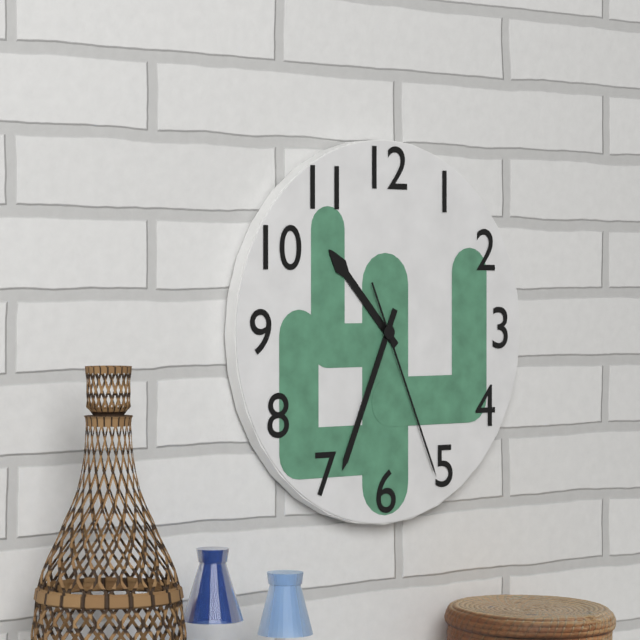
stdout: **10:34:26**
